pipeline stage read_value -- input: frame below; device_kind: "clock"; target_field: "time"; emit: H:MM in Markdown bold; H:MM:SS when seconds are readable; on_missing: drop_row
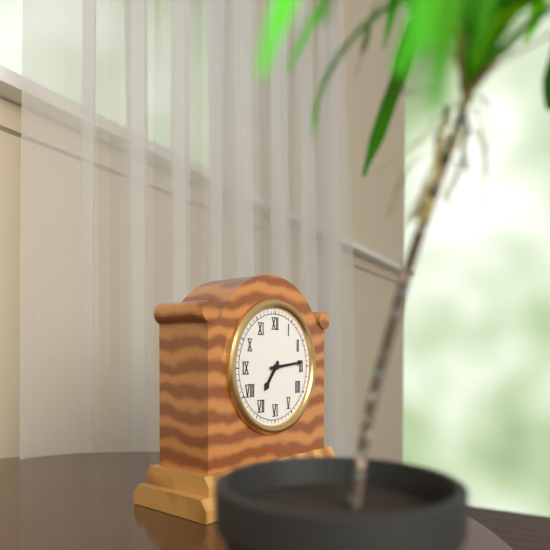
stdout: **7:14**
